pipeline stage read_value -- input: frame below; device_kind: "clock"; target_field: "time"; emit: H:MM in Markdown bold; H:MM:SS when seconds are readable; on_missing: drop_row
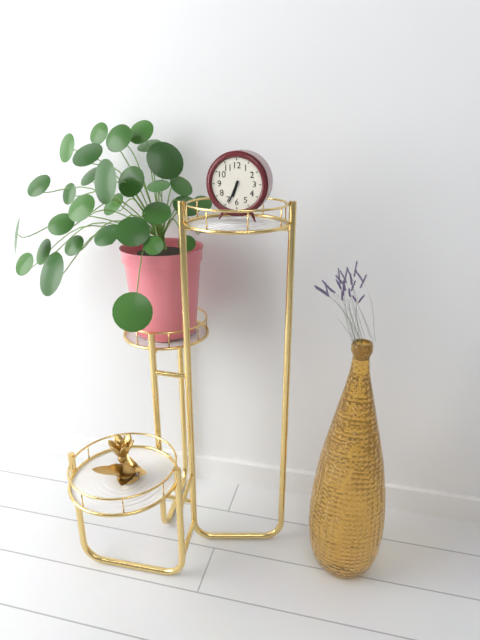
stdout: **6:34**
